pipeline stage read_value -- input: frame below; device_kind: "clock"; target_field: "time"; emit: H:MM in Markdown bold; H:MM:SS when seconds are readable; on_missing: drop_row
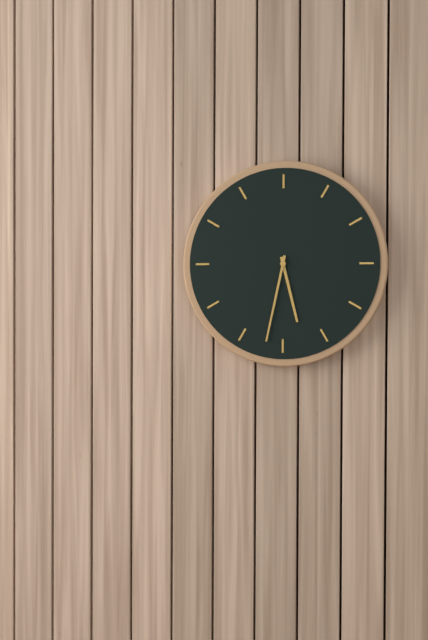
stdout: **5:32**
